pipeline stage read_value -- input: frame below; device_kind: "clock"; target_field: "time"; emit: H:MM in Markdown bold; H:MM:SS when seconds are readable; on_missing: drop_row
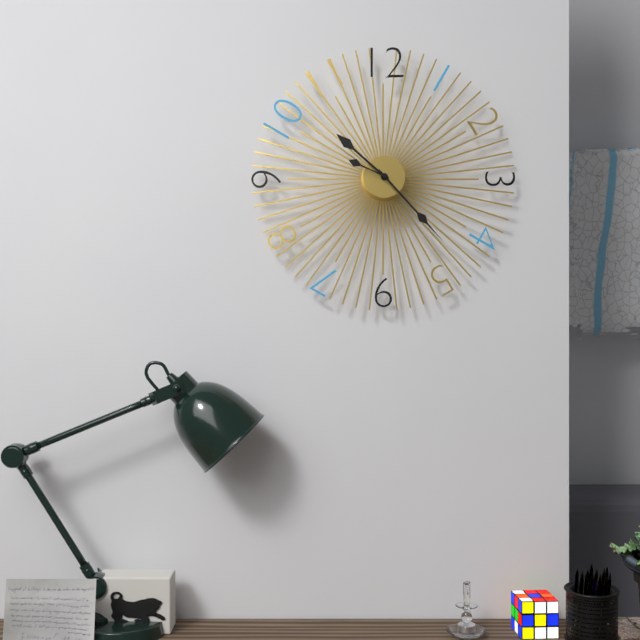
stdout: **10:23**
